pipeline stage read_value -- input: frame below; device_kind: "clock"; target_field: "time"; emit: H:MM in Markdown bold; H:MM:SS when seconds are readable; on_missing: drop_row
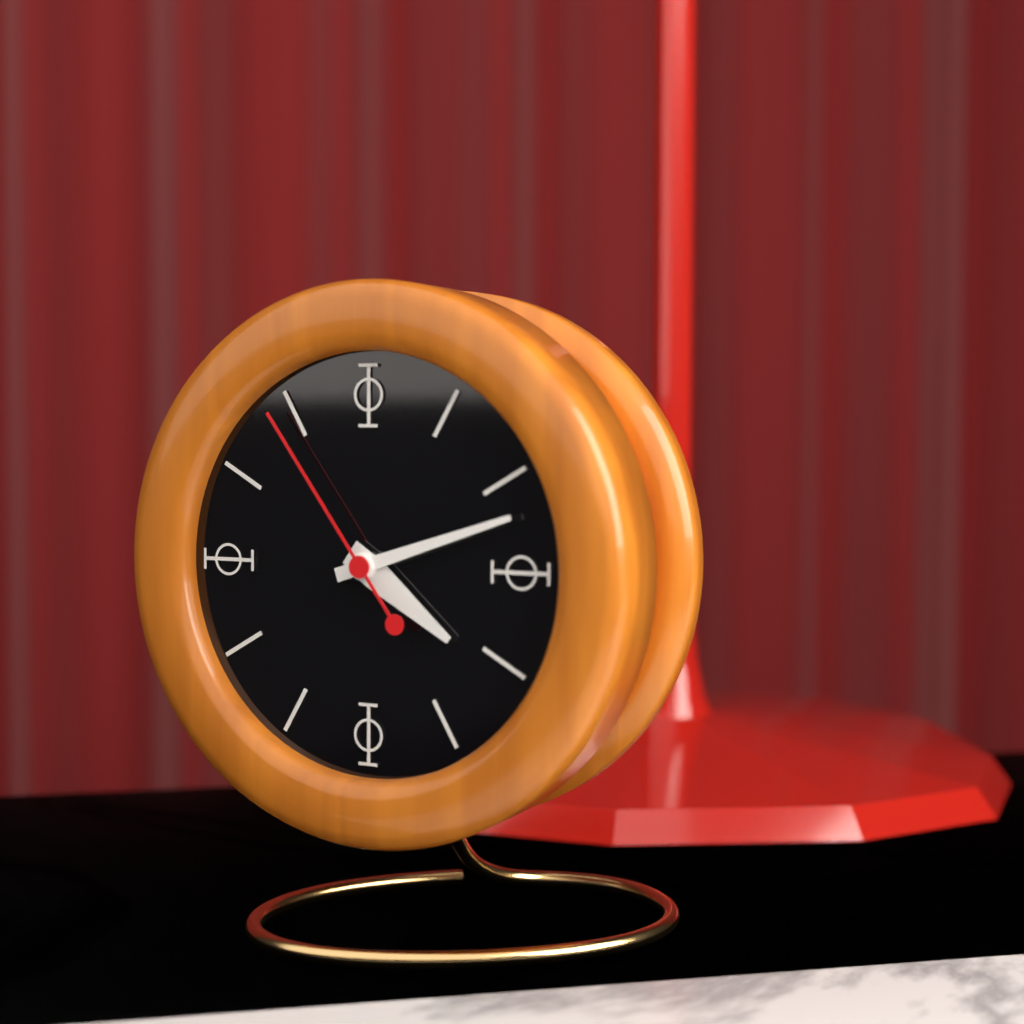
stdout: **4:12:54**
